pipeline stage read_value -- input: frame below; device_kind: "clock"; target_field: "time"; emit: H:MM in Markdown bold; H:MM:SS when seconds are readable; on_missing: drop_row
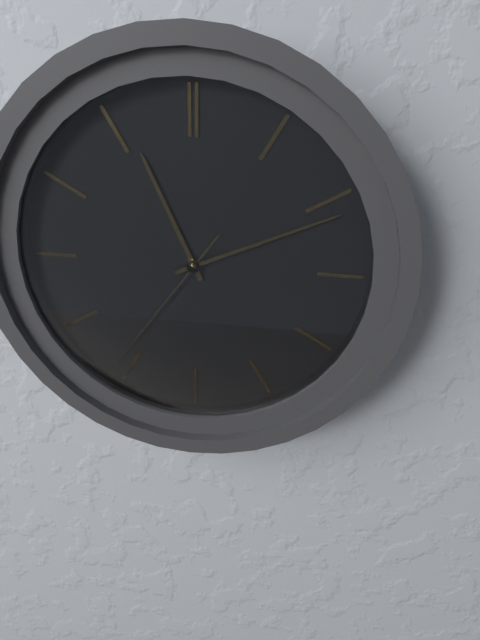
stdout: **11:11:36**
